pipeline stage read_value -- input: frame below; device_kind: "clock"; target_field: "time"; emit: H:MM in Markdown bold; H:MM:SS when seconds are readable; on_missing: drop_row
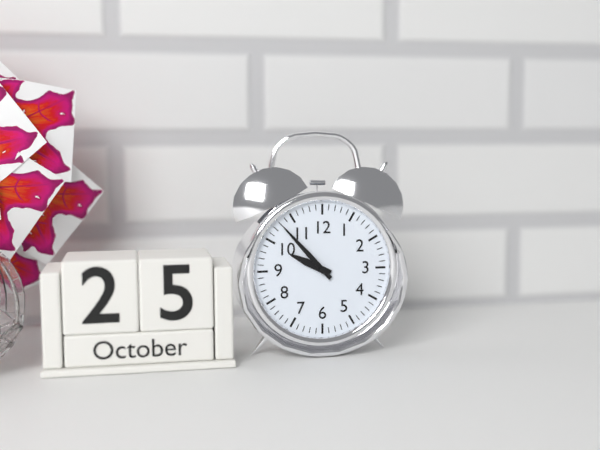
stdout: **9:53**
